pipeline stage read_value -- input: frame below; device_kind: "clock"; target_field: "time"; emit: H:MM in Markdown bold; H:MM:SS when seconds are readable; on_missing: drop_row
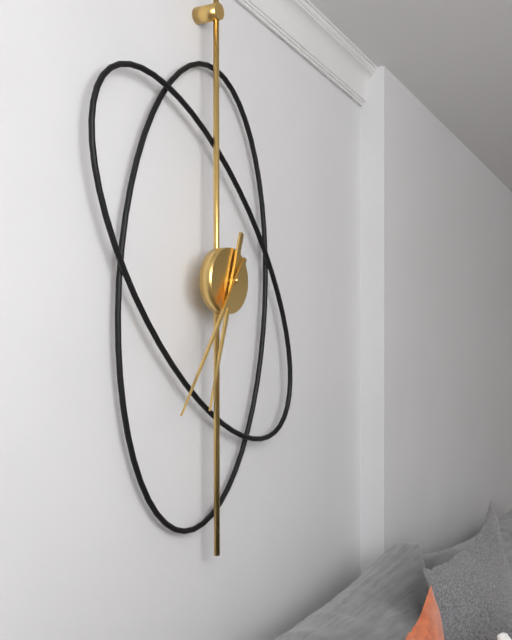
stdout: **6:36**
